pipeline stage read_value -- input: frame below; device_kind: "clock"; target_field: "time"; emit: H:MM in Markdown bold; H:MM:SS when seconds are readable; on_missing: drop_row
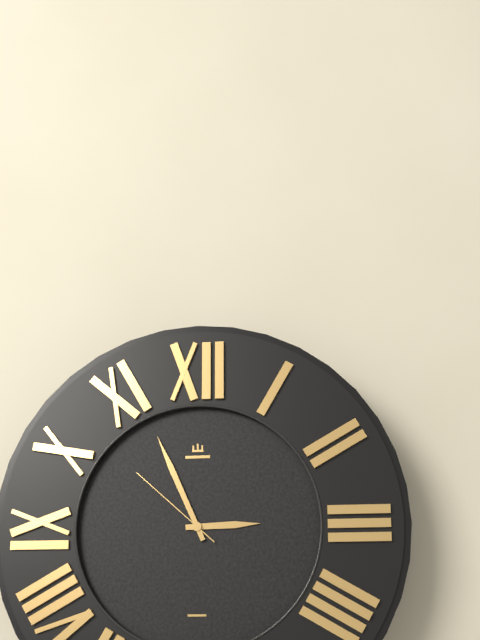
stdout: **2:56:52**
